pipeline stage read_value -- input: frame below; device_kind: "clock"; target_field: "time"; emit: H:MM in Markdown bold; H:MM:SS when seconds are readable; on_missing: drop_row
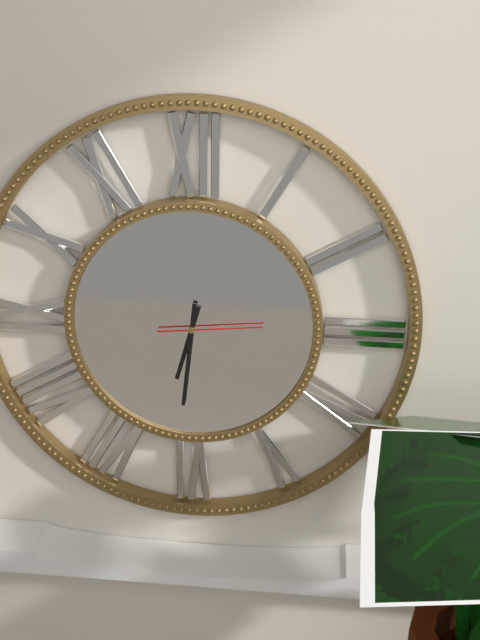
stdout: **6:31:14**
